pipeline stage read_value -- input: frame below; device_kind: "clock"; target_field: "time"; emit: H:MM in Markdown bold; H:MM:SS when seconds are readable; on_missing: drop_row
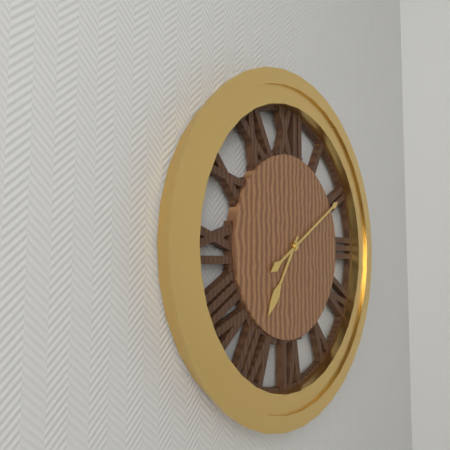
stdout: **7:10**
